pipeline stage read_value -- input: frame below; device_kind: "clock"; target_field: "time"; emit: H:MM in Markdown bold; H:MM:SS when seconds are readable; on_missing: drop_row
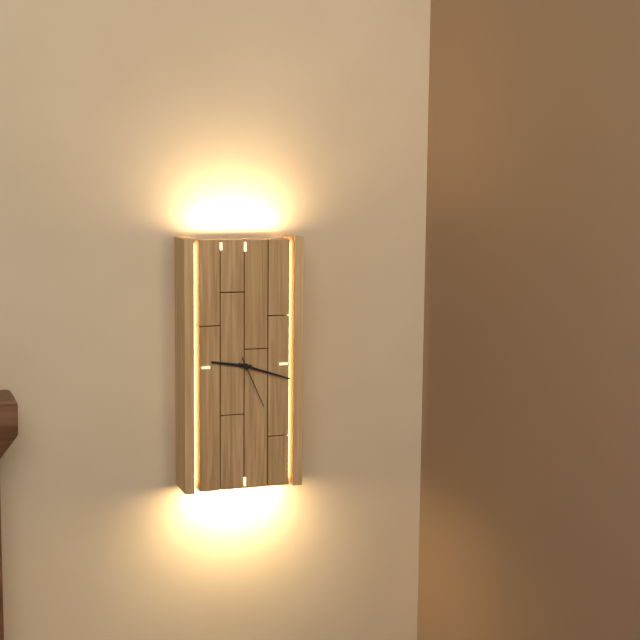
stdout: **9:18:26**
